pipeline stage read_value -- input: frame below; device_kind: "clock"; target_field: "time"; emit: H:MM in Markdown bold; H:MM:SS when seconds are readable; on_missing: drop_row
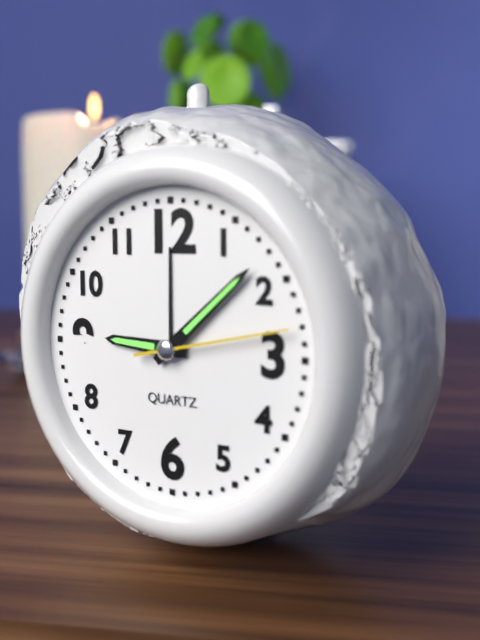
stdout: **9:08:13**
